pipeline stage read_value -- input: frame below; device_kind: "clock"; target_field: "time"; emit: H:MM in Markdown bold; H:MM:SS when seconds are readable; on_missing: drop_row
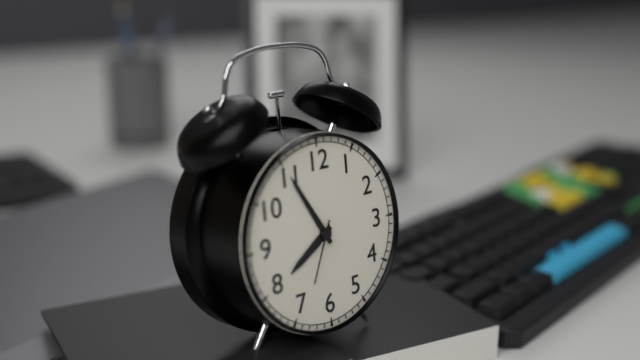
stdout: **7:55:34**
